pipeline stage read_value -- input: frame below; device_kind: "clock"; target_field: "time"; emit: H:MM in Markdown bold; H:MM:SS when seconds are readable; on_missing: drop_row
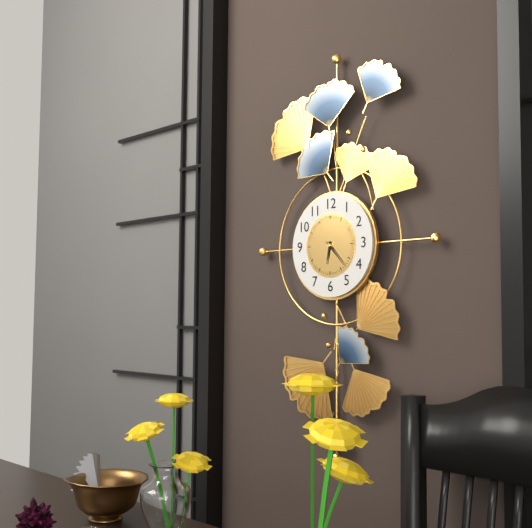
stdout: **6:23**
